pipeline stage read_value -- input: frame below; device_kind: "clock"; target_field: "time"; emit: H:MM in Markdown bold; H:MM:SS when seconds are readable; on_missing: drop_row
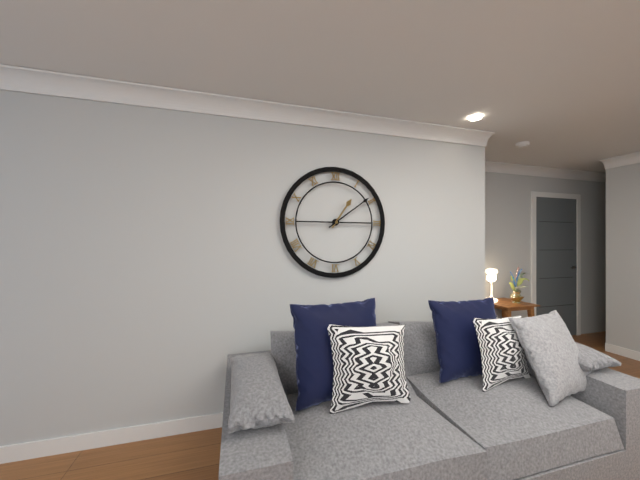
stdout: **1:09**
